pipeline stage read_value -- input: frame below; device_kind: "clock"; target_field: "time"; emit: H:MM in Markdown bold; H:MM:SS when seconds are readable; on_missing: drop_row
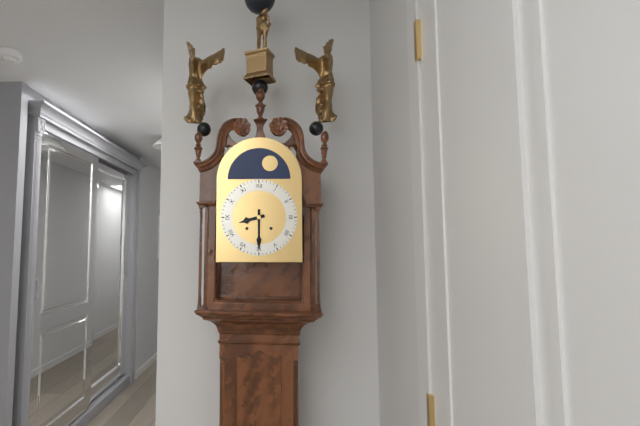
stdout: **8:30**
